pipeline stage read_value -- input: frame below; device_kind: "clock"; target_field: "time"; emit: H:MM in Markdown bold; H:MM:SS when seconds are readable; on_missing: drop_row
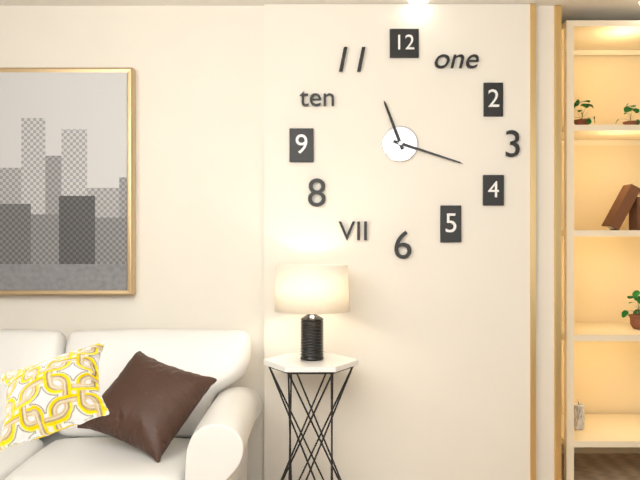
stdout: **11:18**
